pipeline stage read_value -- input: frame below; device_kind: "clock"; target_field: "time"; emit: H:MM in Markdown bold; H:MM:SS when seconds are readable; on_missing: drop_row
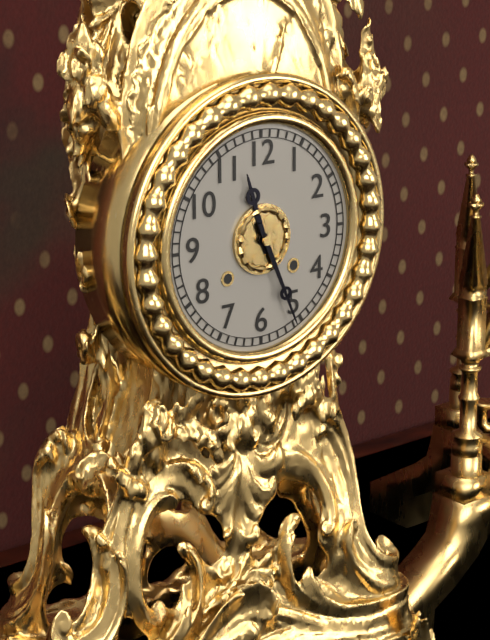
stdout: **11:26**
